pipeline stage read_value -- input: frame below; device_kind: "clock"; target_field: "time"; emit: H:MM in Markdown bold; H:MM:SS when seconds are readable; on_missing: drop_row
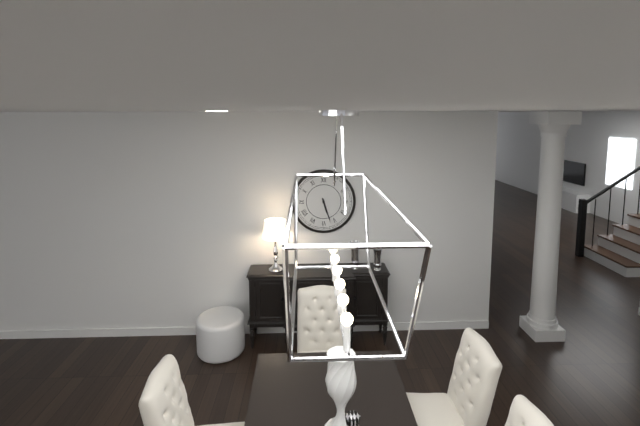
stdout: **5:27**
